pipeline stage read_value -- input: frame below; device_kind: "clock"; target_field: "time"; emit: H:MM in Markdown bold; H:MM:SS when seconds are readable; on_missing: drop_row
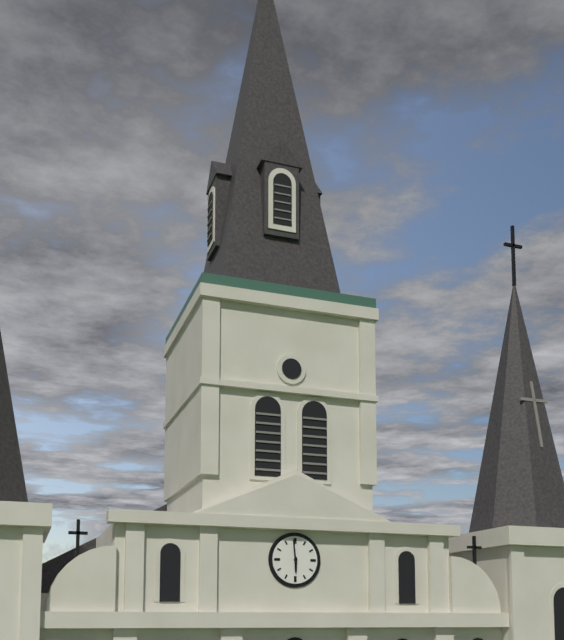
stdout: **5:59**
